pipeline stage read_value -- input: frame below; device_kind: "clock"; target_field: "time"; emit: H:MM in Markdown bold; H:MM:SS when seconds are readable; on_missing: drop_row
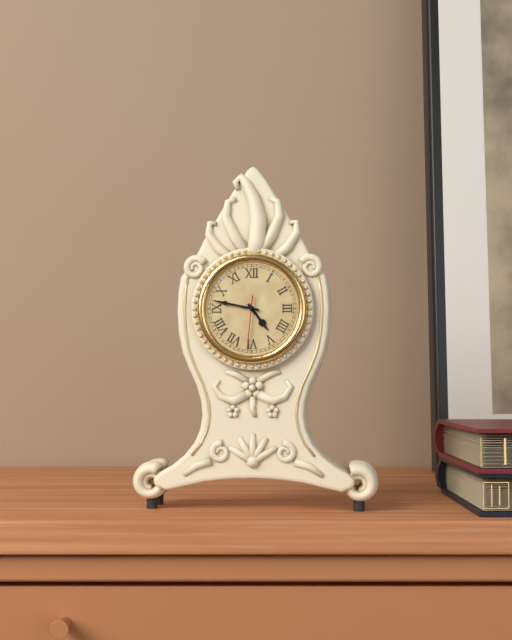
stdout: **4:47:31**
